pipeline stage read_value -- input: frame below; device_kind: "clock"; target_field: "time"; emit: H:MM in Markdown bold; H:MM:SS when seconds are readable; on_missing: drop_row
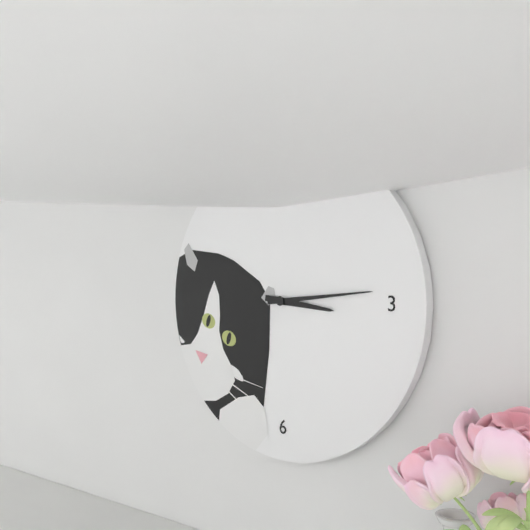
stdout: **3:14**
